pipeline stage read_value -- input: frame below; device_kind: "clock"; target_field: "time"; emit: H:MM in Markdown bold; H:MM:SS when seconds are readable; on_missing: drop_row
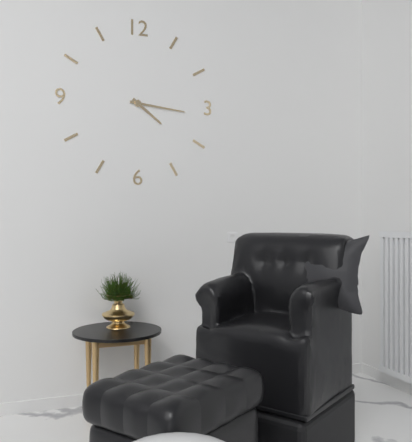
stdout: **4:16**
